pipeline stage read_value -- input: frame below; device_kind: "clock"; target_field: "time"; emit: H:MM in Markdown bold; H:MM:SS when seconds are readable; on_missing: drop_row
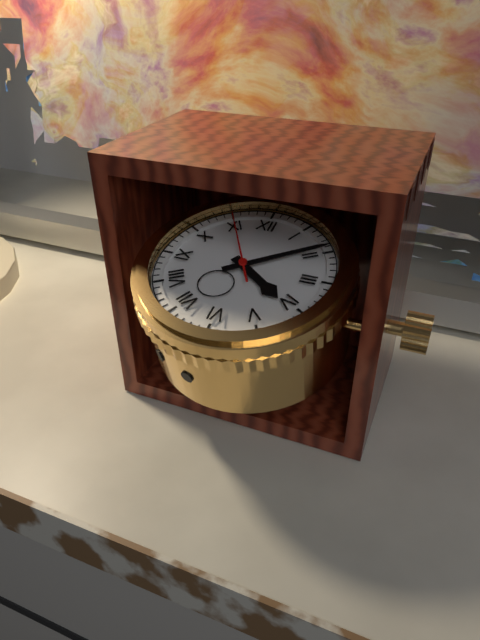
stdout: **4:09:55**
